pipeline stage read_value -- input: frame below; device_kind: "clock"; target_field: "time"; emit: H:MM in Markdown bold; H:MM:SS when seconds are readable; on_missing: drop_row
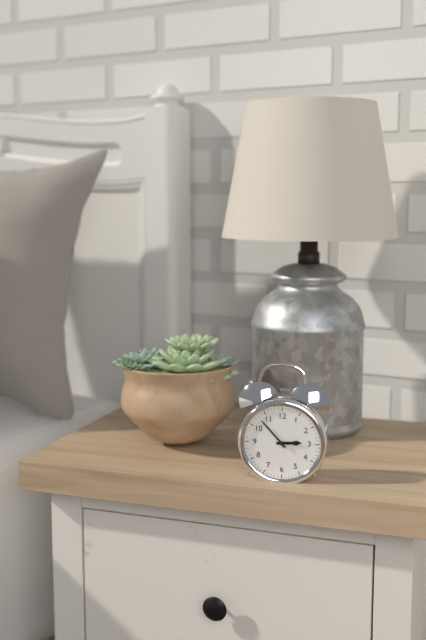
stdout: **2:53**
